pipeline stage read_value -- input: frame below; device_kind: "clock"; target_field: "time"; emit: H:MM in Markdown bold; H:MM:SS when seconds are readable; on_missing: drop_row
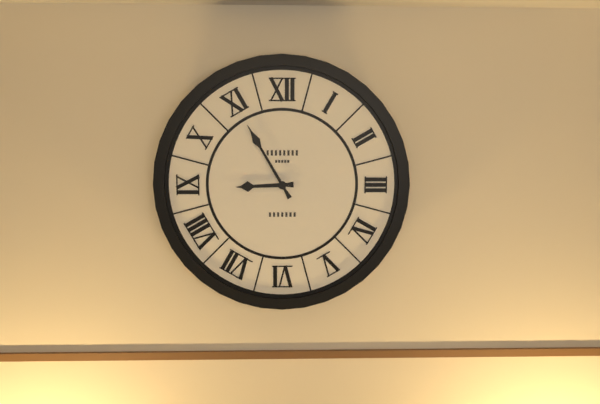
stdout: **8:55**
